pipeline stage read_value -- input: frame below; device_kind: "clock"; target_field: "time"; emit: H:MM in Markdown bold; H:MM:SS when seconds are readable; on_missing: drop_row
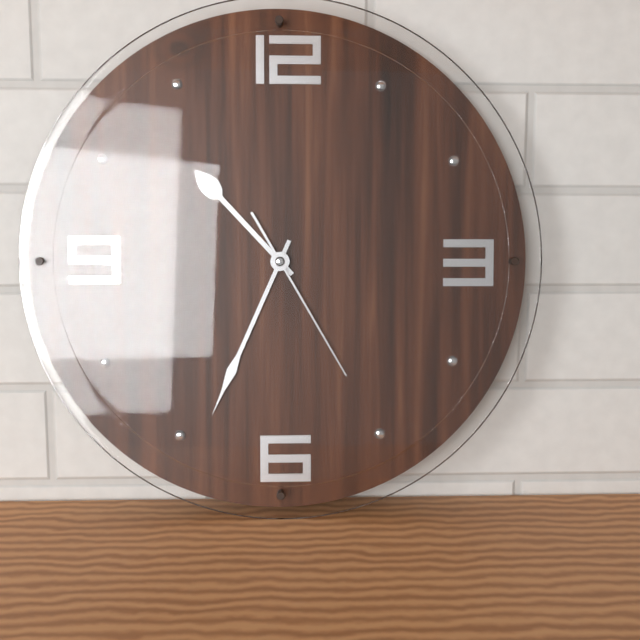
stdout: **10:34:25**
